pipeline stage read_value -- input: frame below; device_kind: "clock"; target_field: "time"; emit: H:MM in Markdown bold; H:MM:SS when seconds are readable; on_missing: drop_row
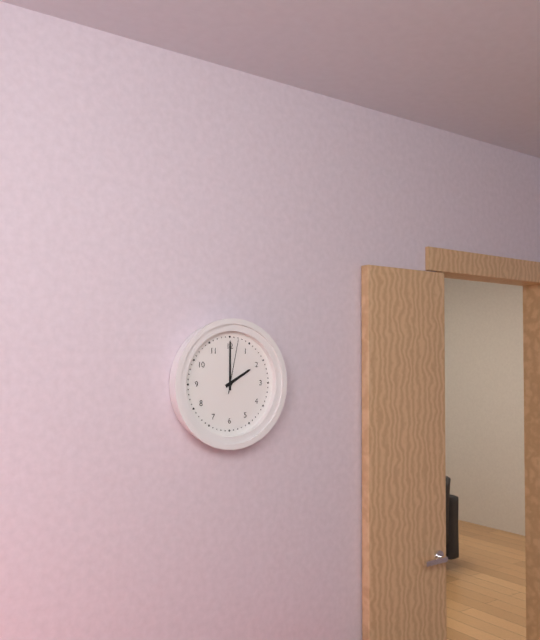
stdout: **2:00:02**
